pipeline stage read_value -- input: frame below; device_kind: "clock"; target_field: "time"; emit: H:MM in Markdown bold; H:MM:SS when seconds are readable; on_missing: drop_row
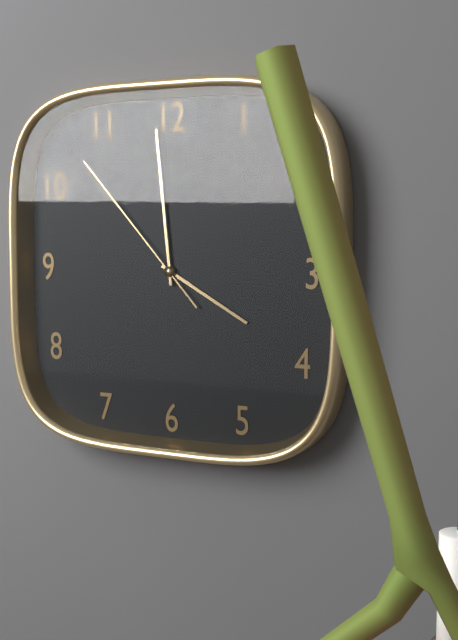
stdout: **3:59:53**
